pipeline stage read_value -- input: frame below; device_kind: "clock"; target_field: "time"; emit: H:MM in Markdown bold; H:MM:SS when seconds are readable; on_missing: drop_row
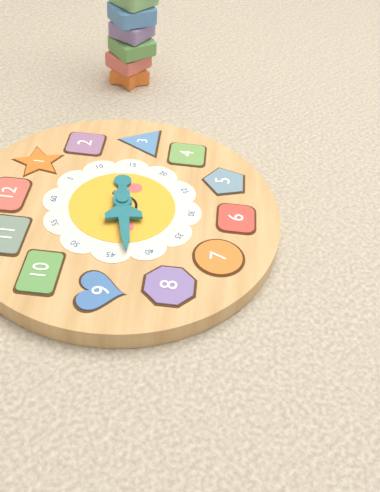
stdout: **2:43**
